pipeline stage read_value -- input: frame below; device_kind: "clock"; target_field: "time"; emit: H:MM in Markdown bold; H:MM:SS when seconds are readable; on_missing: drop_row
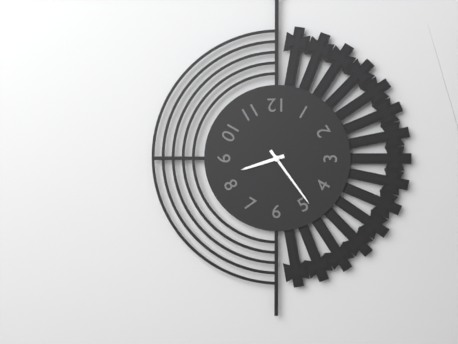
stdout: **8:24**
